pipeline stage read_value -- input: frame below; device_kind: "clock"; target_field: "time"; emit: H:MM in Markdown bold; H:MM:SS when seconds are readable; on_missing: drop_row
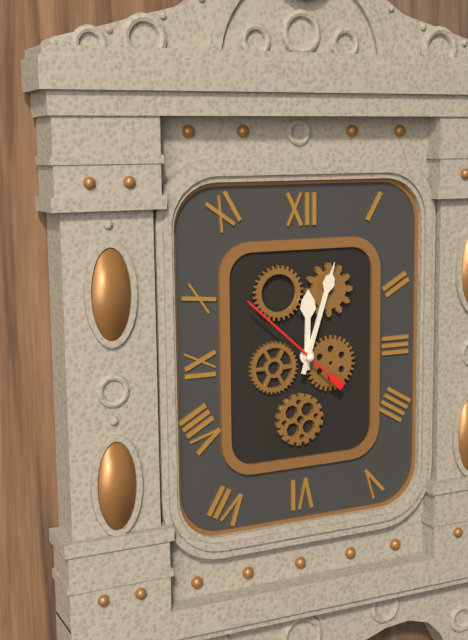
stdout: **12:03:52**
